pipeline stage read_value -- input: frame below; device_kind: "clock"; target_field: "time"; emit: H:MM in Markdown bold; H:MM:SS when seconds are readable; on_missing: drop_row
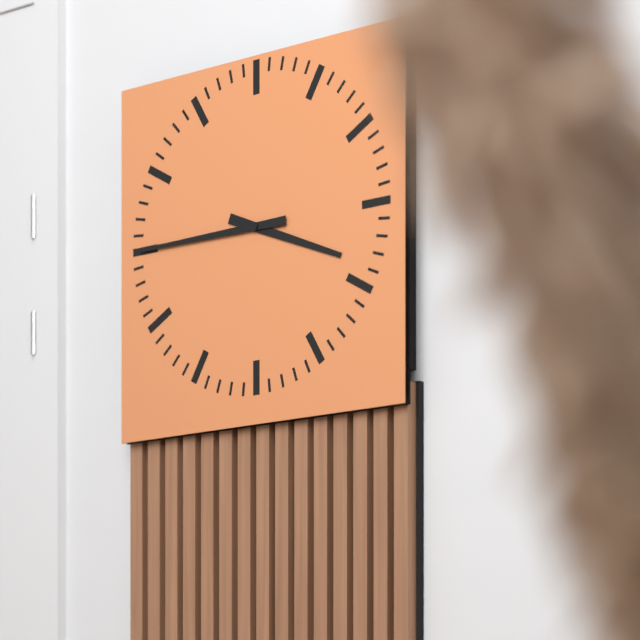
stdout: **3:45**
